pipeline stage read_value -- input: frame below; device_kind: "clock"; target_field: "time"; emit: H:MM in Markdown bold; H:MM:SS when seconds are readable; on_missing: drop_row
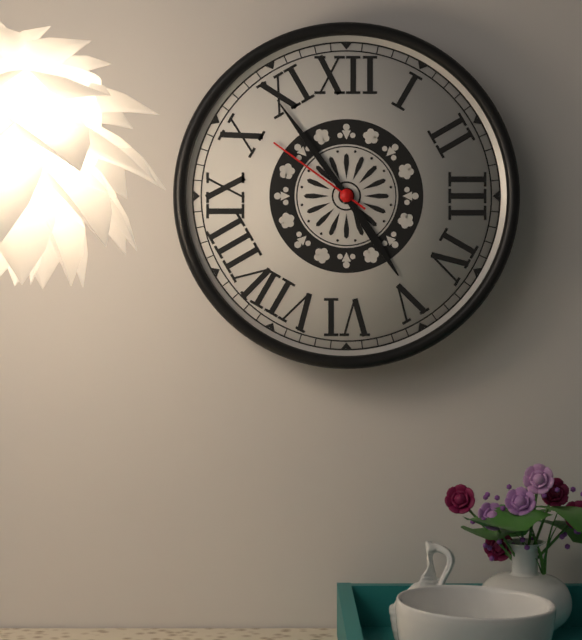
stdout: **4:54:51**
